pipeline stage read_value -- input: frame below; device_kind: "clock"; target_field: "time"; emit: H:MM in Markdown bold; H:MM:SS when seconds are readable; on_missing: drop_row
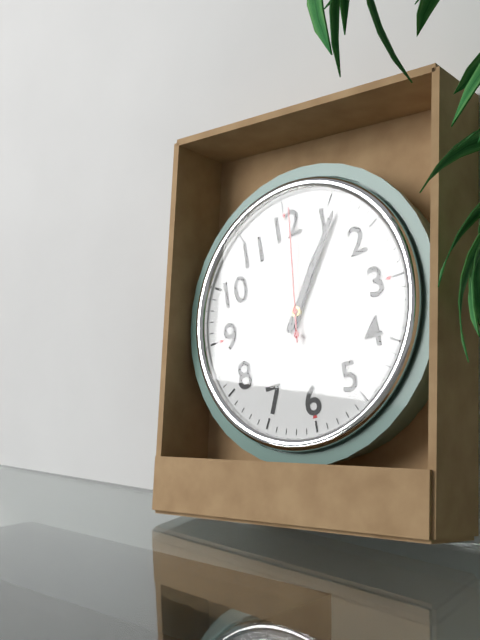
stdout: **1:06:01**
